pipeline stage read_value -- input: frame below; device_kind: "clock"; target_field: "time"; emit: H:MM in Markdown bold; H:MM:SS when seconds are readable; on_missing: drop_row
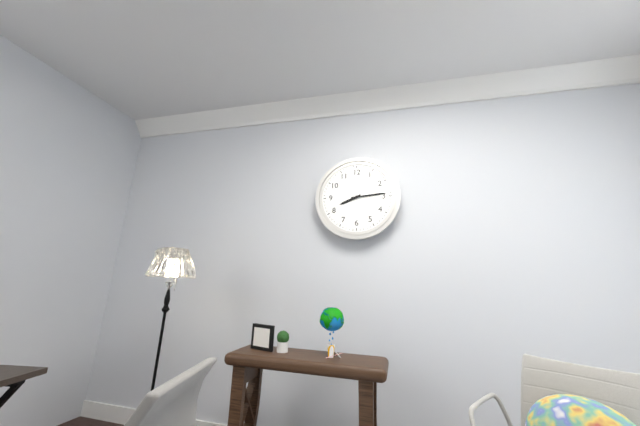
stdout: **8:14**
